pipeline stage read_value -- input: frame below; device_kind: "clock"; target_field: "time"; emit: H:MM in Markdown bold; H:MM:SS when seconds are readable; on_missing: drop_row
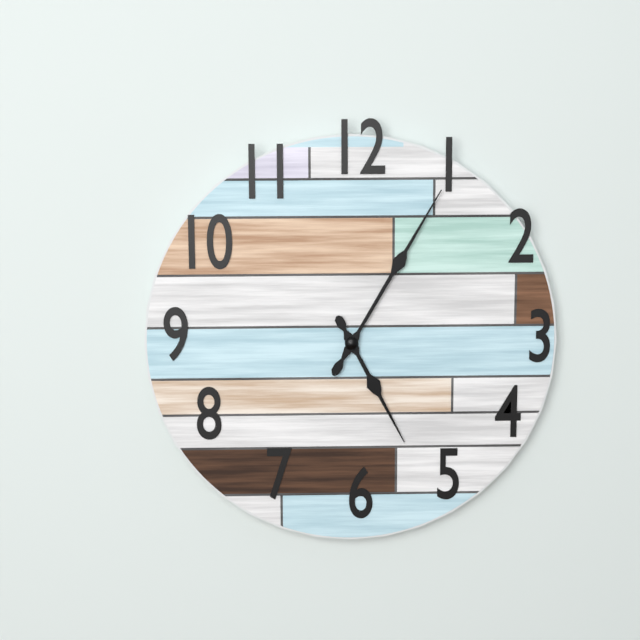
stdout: **5:05**
